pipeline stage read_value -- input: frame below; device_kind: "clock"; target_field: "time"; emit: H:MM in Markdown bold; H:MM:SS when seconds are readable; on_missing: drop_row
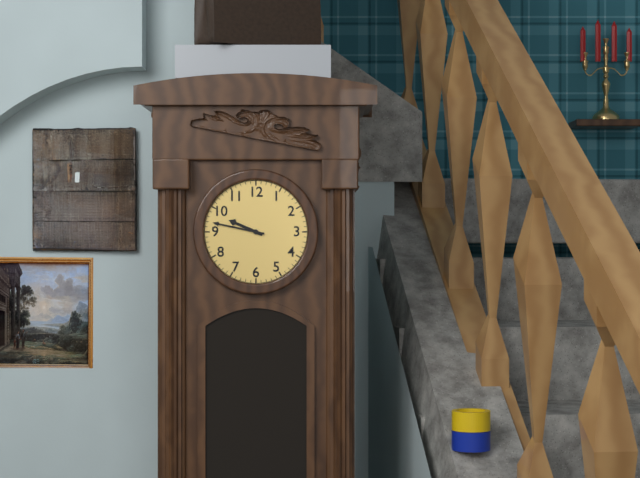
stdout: **9:47**
